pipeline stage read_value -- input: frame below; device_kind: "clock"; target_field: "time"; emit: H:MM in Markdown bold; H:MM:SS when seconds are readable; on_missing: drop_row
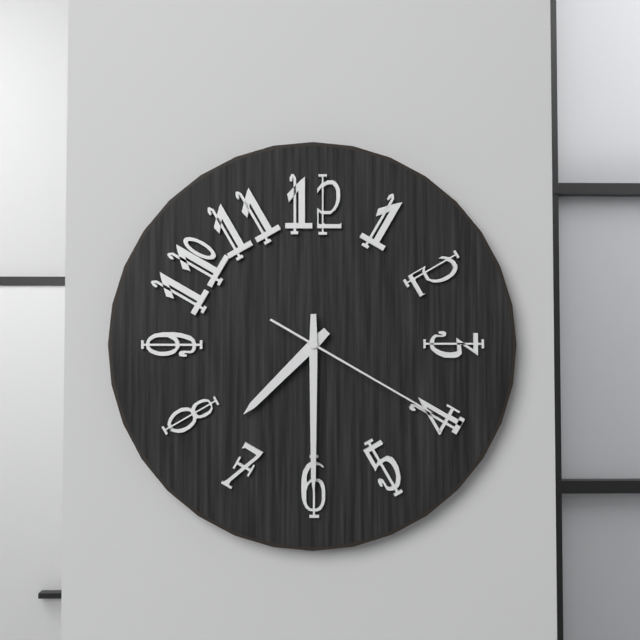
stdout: **7:30:20**
